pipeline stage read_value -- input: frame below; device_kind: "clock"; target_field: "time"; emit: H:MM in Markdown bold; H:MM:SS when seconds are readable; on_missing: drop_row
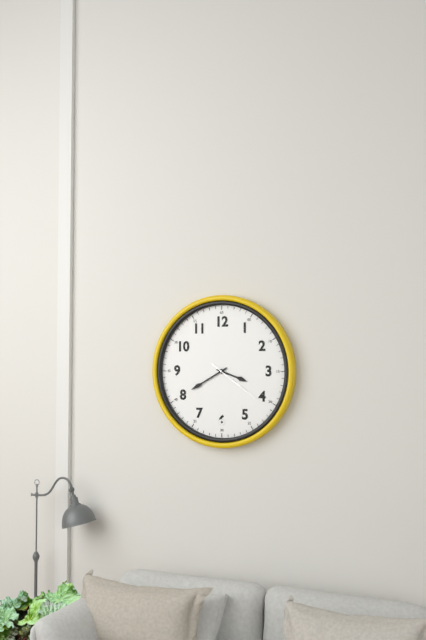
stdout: **3:40:21**
